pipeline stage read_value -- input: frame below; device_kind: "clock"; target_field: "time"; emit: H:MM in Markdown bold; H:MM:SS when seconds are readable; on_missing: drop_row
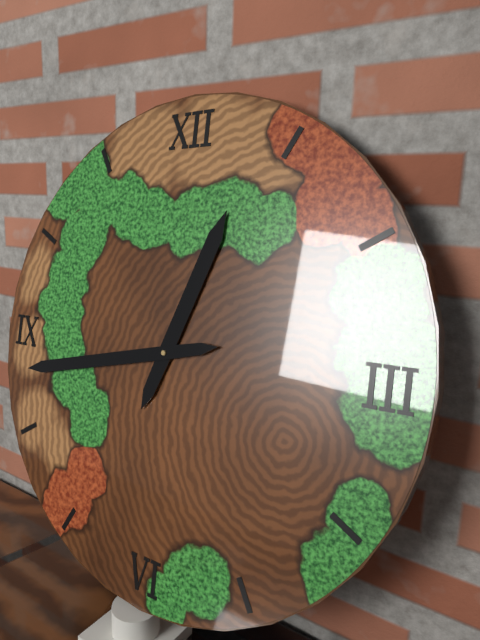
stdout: **12:43**
